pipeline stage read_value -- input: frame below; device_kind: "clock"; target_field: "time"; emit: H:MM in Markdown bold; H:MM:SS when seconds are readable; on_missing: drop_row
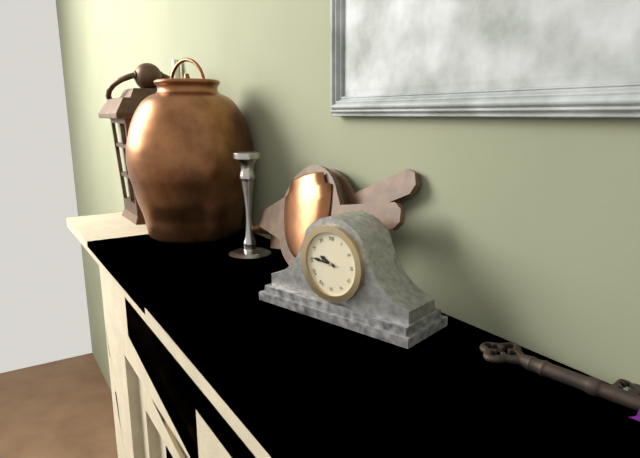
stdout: **9:46**
